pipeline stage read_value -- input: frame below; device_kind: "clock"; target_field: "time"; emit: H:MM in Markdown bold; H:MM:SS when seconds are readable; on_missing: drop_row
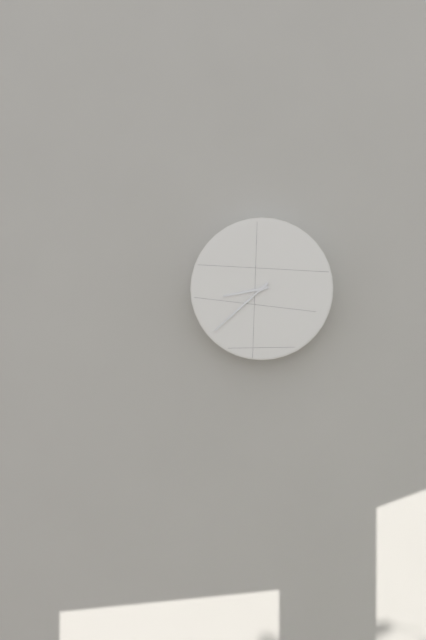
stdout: **8:38**
